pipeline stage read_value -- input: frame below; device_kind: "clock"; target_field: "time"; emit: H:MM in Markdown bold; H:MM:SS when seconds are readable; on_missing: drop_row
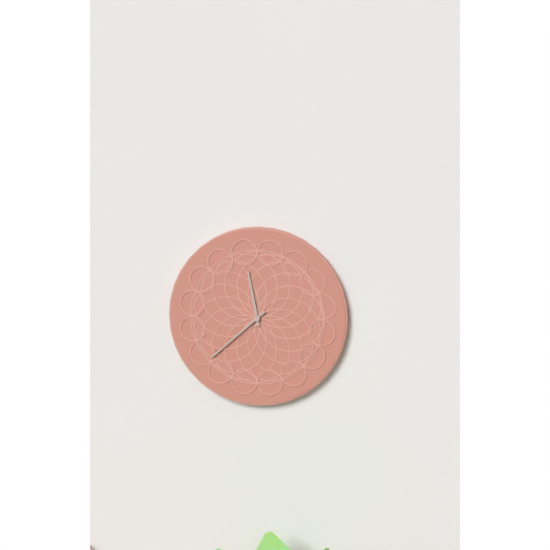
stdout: **11:38**
